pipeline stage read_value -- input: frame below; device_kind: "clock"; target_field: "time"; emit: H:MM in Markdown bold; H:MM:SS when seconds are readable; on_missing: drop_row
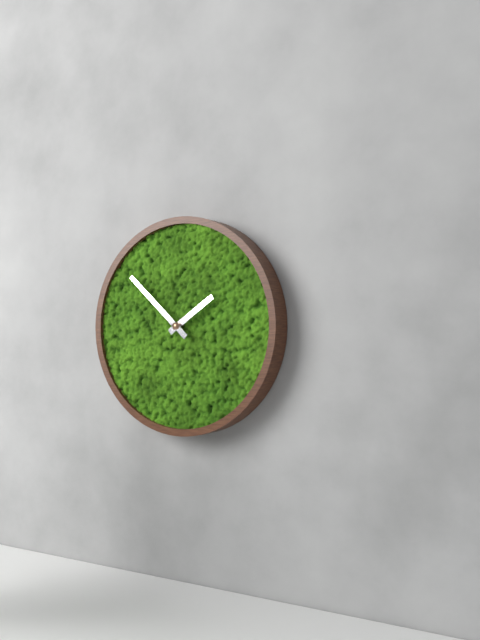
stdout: **1:52**
